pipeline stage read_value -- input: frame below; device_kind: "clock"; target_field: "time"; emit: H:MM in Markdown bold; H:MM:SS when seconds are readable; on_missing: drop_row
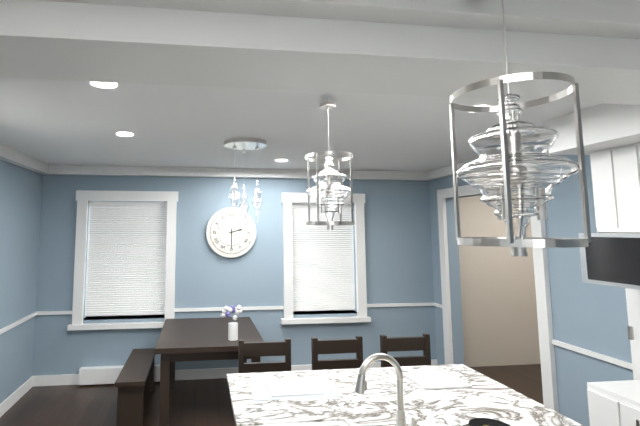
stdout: **2:30**
